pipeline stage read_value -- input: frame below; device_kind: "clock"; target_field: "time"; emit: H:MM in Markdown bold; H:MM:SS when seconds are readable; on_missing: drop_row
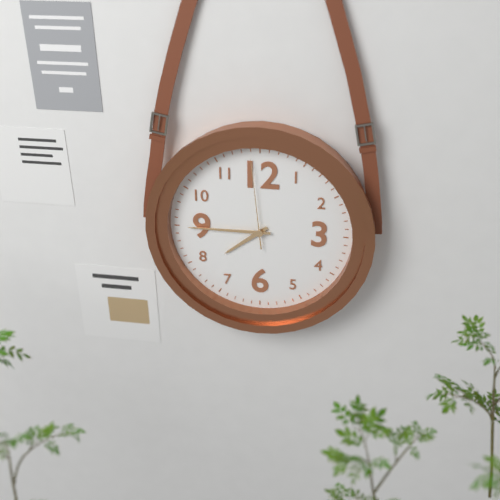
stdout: **7:45:59**
